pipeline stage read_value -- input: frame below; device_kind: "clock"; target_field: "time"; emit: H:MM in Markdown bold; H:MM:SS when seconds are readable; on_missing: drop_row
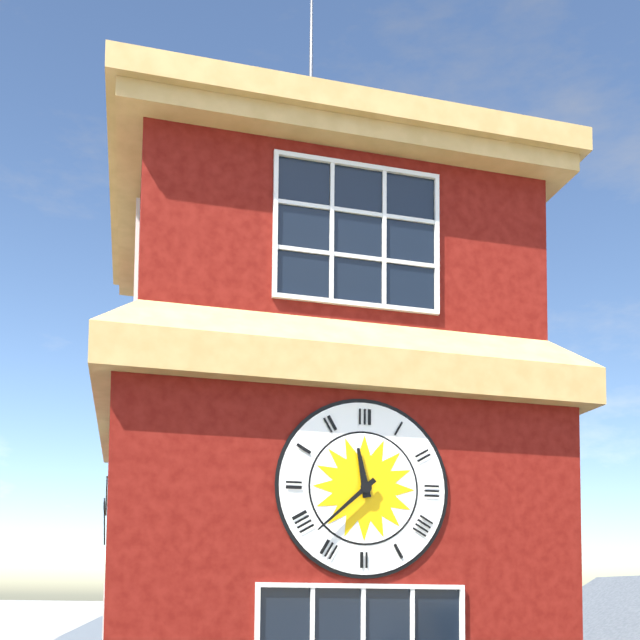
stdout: **11:38**
